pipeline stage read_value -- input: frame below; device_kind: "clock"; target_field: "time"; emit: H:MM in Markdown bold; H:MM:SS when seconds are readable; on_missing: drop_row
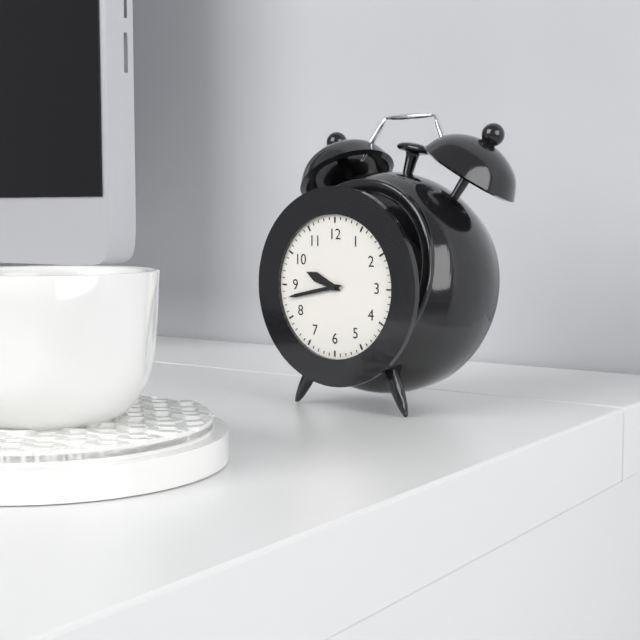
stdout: **9:43**
